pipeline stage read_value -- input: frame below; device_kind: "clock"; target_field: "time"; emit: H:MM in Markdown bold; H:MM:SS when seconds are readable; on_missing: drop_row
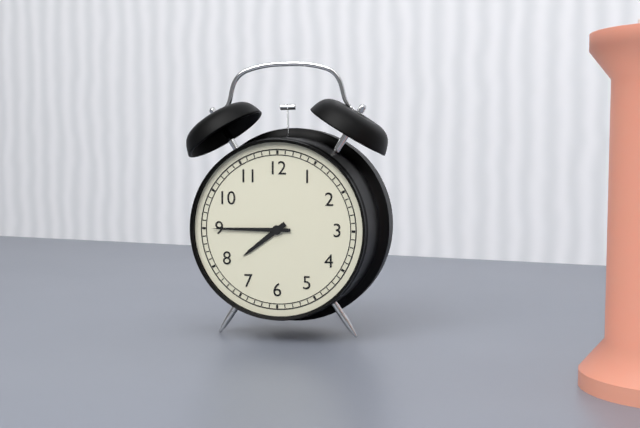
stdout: **7:45**
